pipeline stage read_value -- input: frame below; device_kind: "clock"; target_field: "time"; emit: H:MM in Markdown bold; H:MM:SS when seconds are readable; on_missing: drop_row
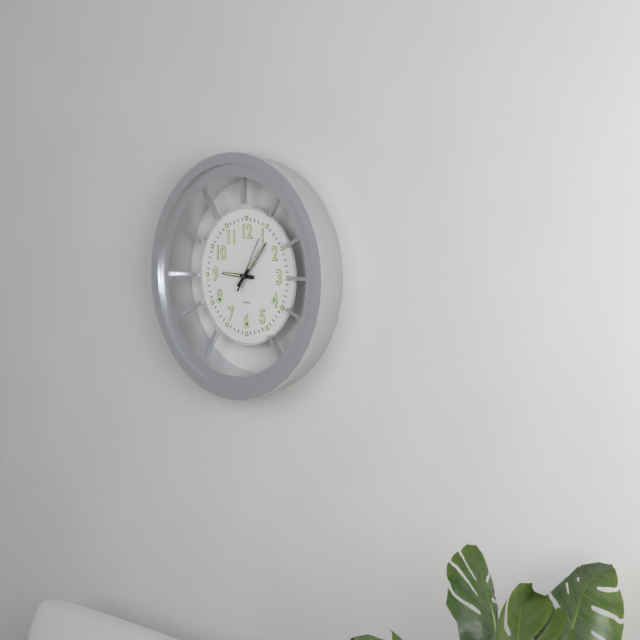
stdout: **9:07:05**
